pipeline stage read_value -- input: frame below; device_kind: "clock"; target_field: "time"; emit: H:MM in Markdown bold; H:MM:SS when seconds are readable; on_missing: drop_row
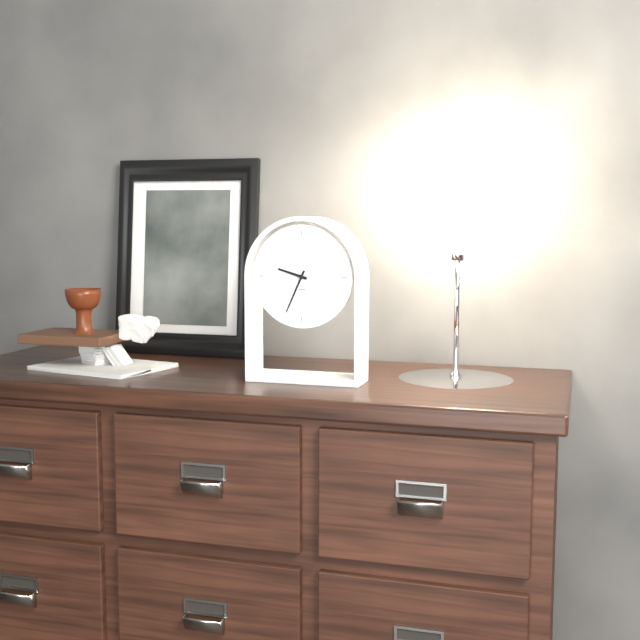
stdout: **9:34**
